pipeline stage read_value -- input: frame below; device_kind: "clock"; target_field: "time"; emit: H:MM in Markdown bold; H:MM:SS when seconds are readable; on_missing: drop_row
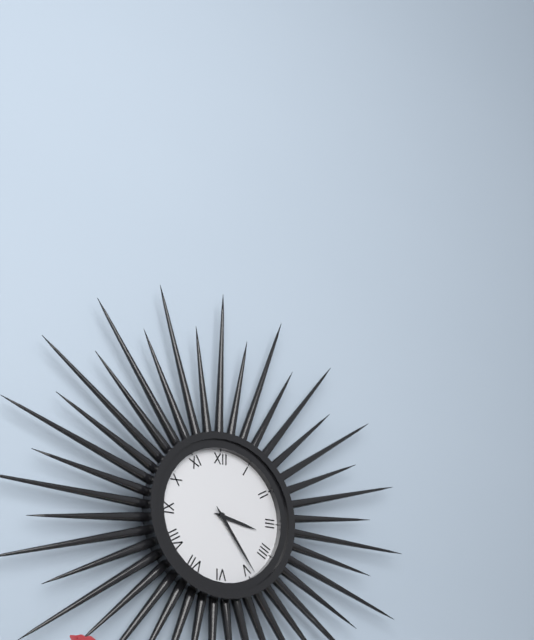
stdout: **3:24**
